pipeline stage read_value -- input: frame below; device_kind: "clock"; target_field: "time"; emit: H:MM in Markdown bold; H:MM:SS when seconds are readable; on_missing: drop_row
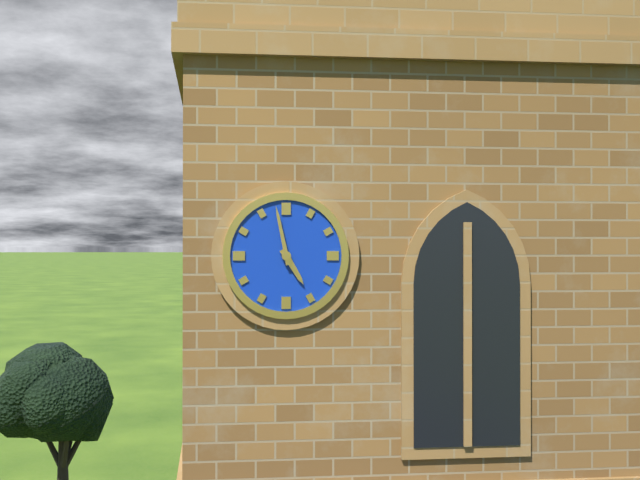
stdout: **4:58**
